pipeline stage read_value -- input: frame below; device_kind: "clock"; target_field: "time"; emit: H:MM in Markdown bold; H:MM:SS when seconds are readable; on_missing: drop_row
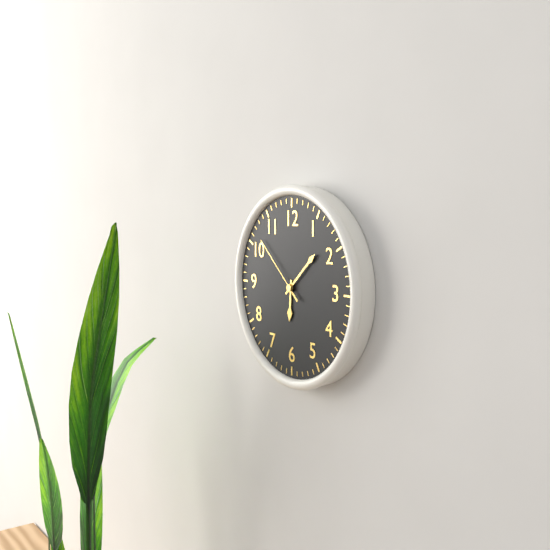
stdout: **6:08:52**
